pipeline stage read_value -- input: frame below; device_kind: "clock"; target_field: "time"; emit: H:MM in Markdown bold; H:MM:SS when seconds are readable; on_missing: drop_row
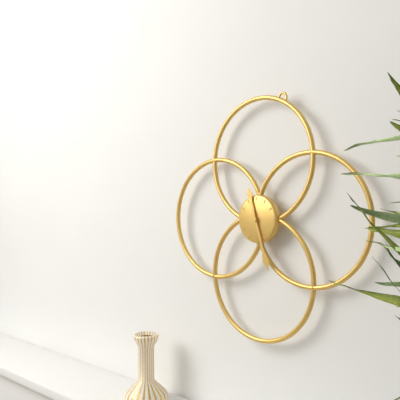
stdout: **11:27**
